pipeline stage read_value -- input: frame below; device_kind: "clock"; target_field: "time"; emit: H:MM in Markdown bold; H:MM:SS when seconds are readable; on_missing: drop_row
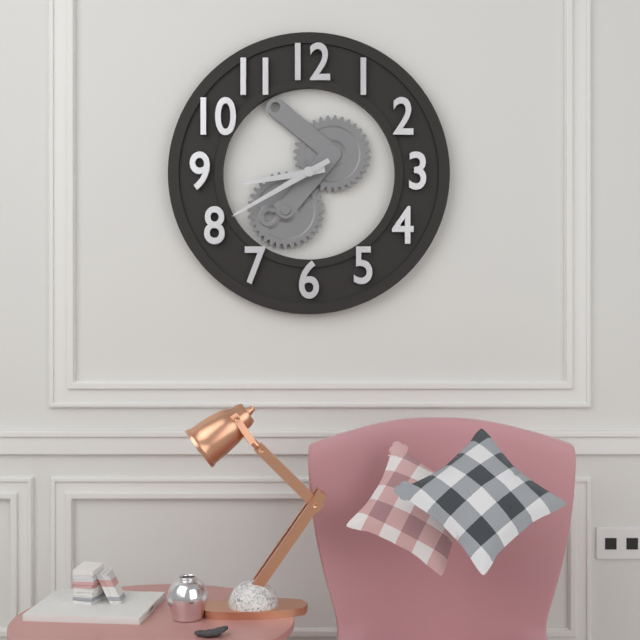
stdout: **8:40**
